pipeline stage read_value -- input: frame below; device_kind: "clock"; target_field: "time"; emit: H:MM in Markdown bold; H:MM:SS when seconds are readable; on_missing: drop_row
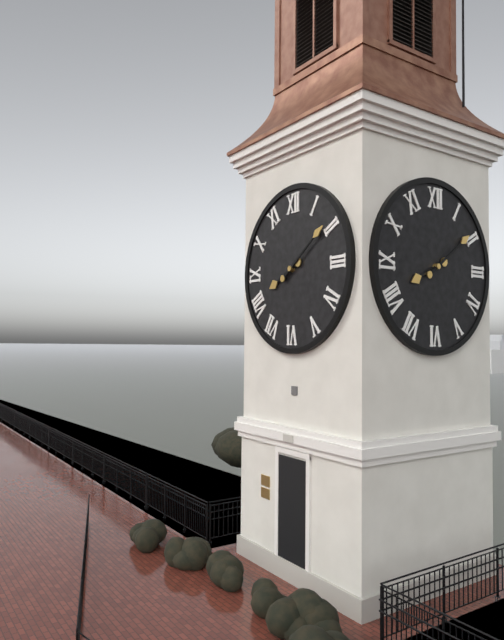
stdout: **8:09**
